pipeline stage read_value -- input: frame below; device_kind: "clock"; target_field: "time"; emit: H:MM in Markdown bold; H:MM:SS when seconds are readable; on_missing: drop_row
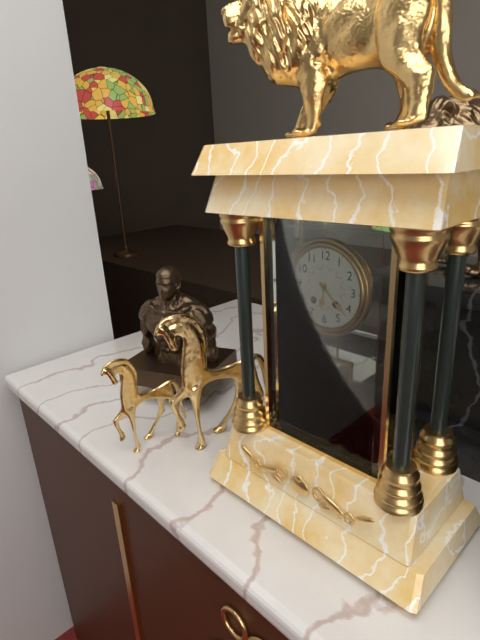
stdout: **6:22**
